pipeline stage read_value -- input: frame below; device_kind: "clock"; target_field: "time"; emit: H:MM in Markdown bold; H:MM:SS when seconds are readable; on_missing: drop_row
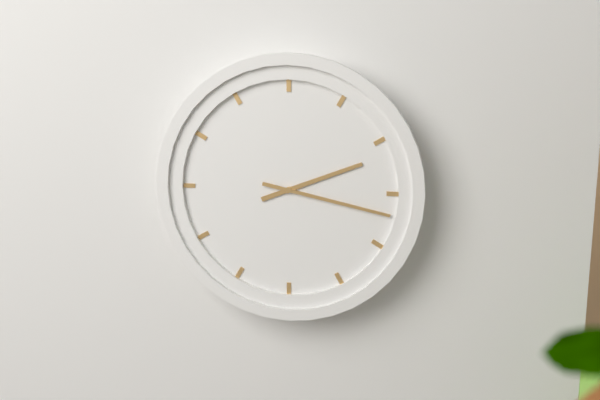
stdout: **2:17**
